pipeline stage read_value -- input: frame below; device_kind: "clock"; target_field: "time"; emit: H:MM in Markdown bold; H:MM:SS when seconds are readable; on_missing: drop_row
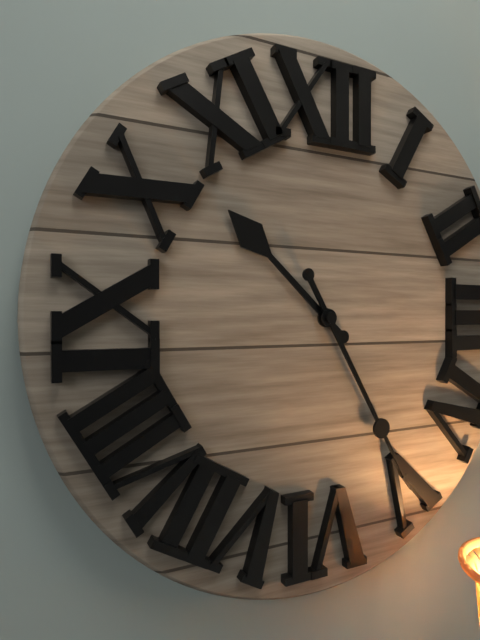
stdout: **10:25**
